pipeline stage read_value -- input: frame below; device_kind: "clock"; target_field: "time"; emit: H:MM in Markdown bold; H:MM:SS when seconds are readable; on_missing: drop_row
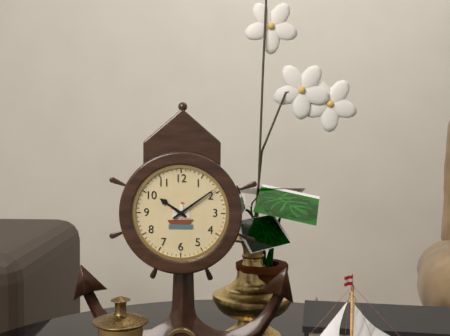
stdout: **10:09**
